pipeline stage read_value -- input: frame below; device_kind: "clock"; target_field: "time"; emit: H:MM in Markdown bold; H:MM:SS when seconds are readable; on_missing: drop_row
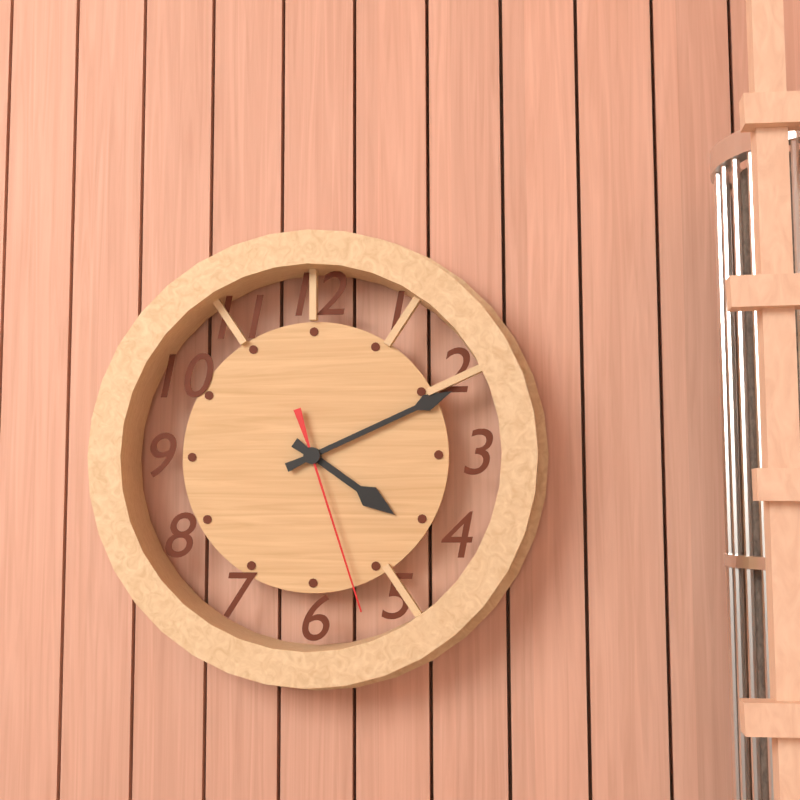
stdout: **4:11:27**
